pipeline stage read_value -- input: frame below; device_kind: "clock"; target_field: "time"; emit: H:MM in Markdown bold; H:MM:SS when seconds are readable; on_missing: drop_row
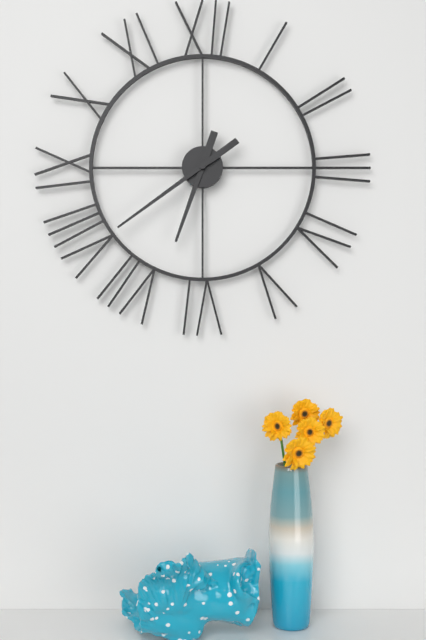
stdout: **6:39**
